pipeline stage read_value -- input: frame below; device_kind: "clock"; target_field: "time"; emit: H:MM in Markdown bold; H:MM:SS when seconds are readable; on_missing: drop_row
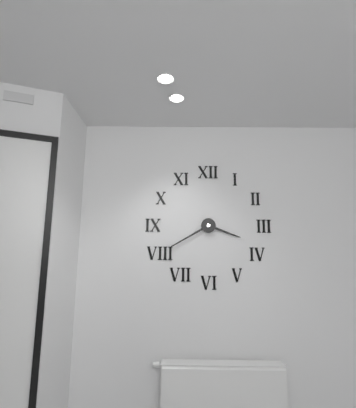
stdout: **3:40**
